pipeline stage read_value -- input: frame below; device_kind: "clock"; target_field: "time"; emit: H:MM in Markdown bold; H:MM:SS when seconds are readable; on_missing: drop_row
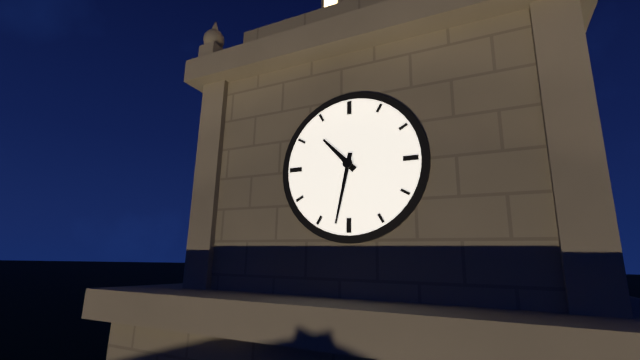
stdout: **10:32**
